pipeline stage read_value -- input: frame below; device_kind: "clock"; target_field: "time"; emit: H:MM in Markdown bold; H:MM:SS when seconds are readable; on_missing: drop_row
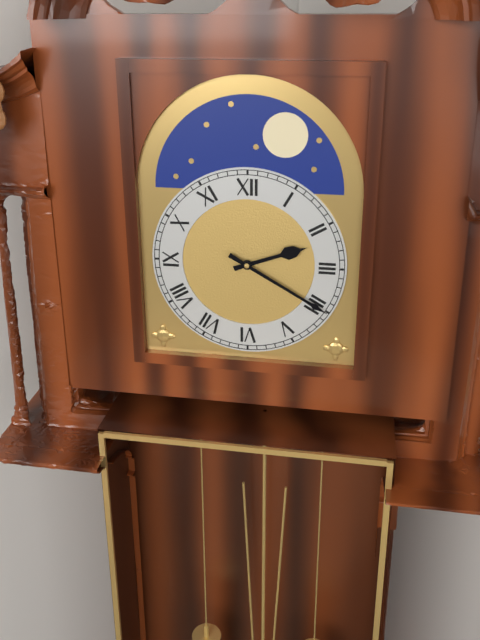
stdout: **2:20**
